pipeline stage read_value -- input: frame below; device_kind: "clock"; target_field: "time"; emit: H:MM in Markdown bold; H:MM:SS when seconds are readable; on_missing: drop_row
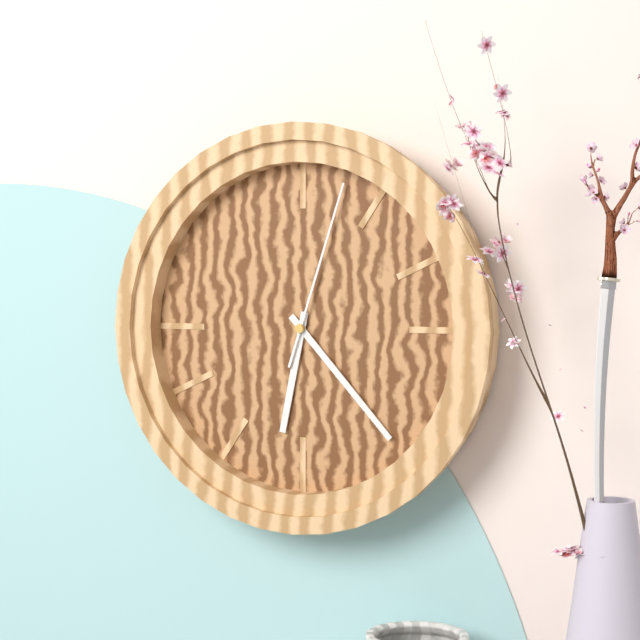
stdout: **6:23:03**
